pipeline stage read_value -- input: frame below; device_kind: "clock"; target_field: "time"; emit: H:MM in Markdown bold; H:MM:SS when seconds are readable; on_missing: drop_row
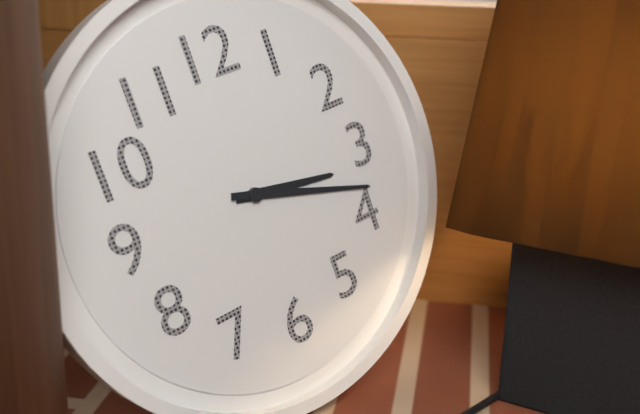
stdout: **3:18**
